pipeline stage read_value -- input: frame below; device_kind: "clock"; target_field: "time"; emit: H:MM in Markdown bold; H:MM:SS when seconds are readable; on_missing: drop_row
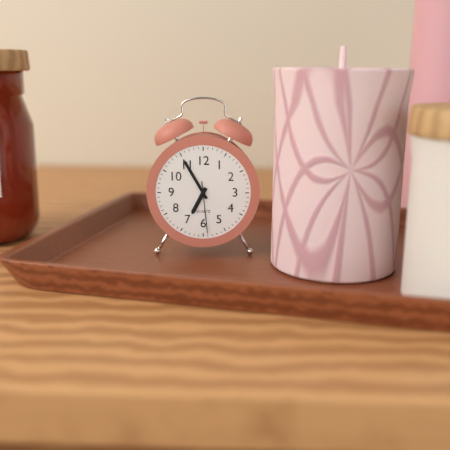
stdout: **6:55:29**
